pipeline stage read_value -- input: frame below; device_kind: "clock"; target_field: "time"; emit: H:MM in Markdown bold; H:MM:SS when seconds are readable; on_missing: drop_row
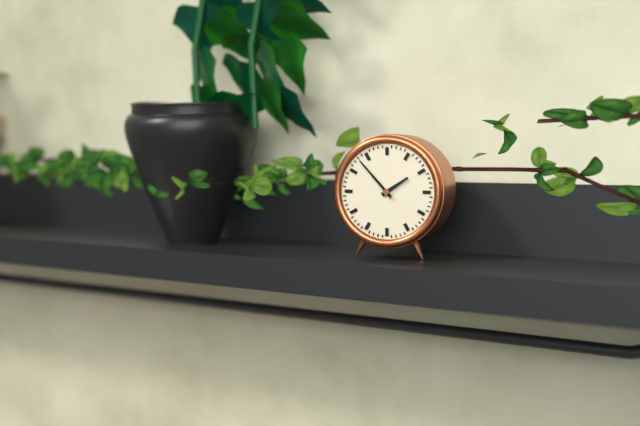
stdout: **1:53**
